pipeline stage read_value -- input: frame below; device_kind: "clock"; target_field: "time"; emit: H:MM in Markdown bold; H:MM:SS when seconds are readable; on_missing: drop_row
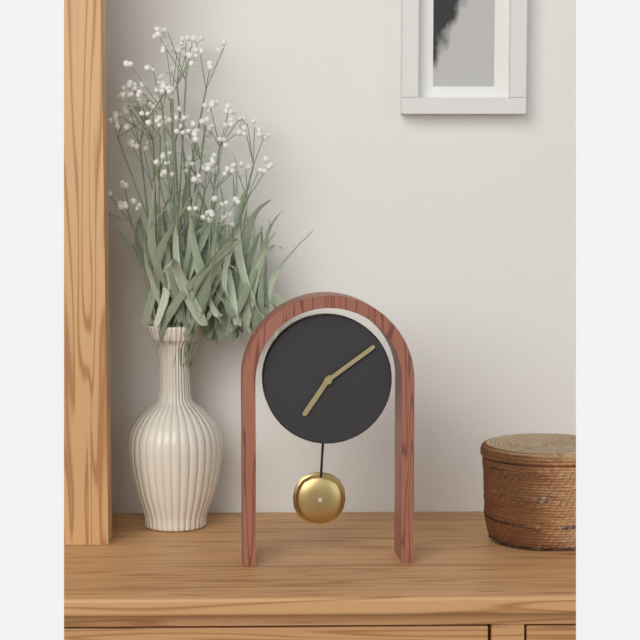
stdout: **7:09**
